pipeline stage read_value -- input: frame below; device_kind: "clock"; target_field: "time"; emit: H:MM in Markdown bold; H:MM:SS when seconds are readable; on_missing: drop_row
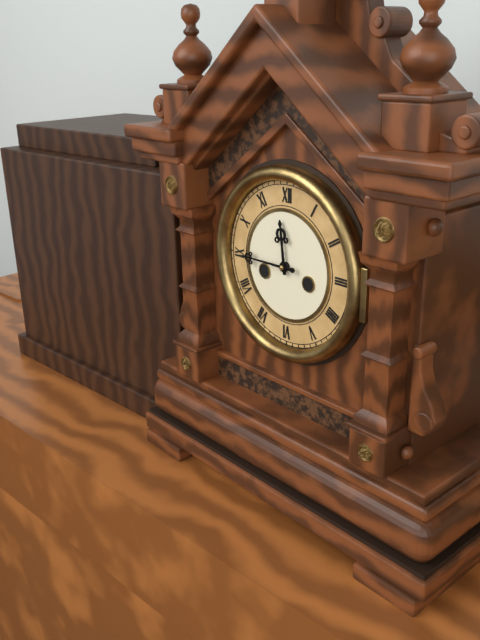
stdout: **11:45**
